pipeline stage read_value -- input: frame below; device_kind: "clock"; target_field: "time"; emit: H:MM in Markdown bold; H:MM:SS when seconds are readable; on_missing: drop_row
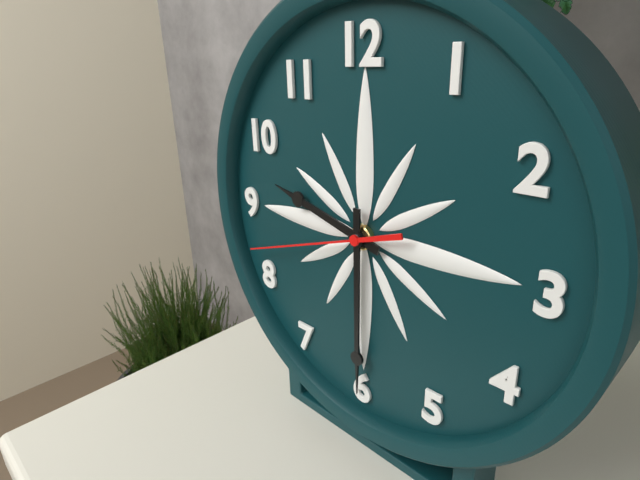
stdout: **9:30:42**
